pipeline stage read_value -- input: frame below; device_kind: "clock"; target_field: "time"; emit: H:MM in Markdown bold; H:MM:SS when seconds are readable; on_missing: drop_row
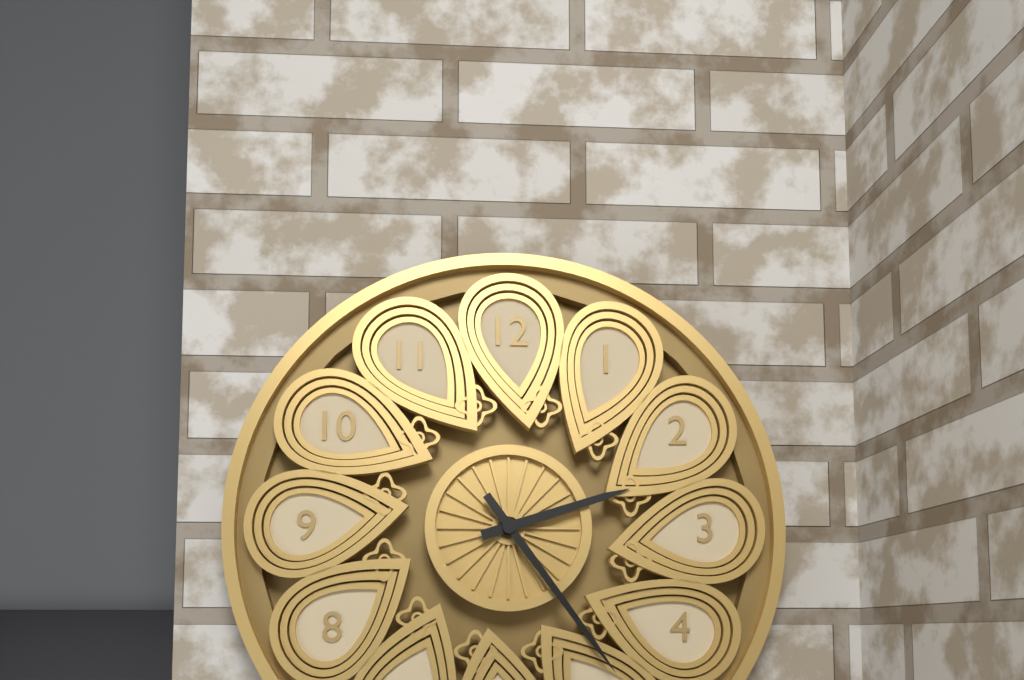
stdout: **2:24**
